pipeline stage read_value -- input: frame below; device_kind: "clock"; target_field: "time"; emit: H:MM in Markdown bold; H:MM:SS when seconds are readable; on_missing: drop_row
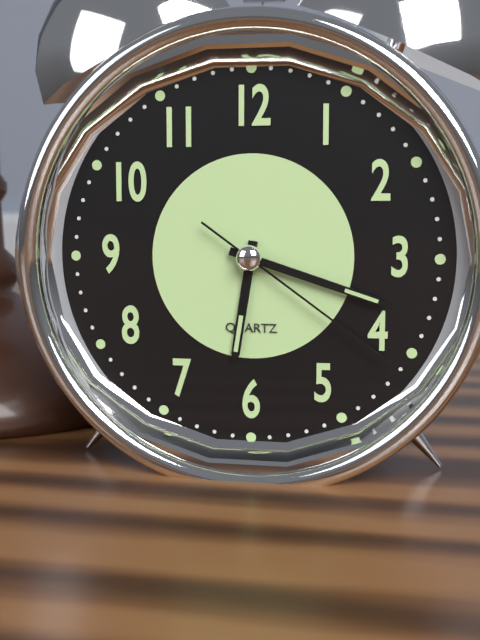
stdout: **6:18:21**
